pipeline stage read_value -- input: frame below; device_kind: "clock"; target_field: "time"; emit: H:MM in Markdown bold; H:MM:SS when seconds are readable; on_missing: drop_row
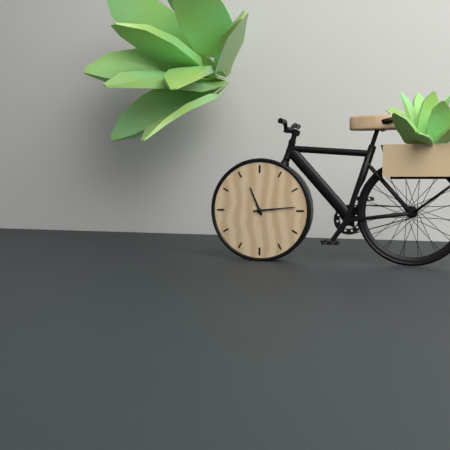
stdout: **11:14**
